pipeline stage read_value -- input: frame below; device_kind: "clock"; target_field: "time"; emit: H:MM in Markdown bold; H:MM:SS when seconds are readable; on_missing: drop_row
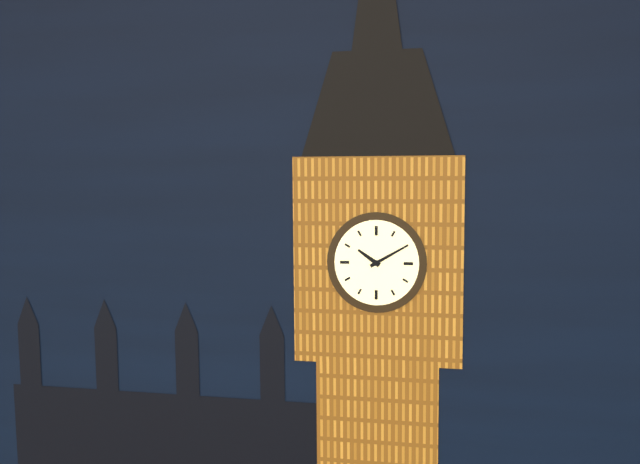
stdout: **10:10**
